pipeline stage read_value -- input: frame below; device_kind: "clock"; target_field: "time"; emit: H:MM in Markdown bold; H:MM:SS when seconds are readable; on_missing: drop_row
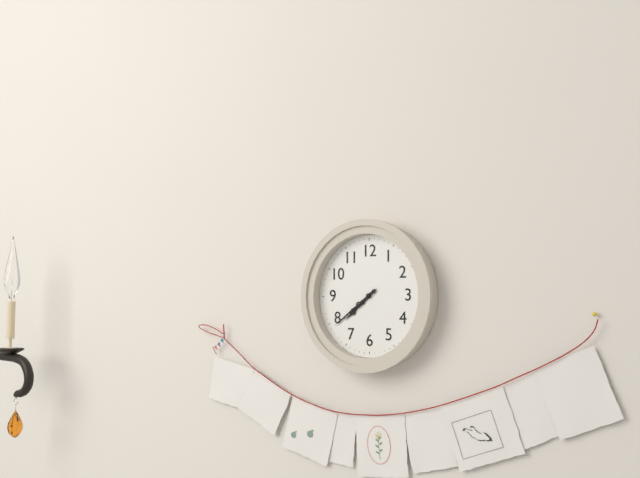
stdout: **7:39**
